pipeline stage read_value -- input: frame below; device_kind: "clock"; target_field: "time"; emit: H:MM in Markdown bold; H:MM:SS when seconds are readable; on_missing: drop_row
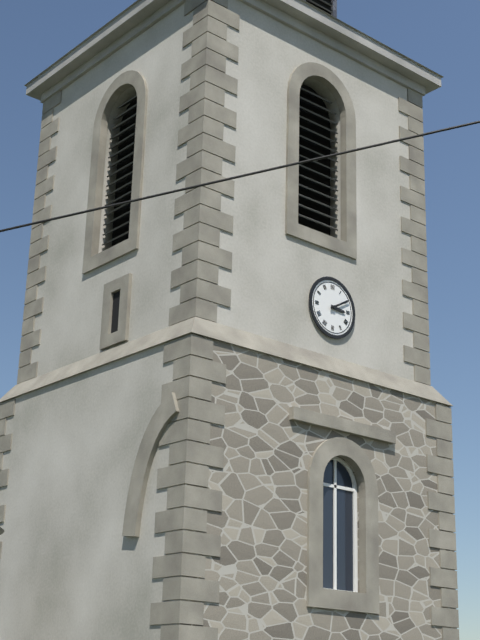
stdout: **3:10**
